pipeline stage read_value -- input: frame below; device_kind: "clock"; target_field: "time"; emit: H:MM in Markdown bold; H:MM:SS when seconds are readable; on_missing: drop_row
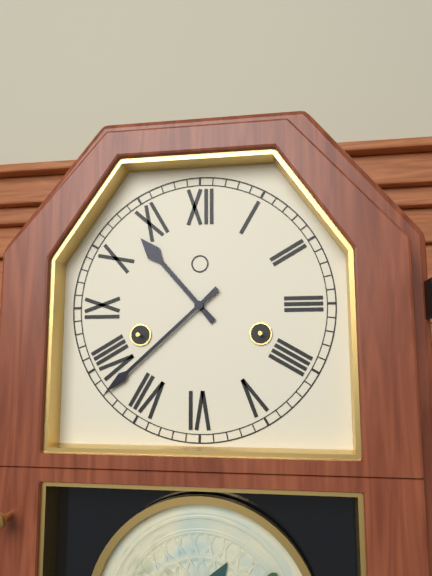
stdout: **10:38**
